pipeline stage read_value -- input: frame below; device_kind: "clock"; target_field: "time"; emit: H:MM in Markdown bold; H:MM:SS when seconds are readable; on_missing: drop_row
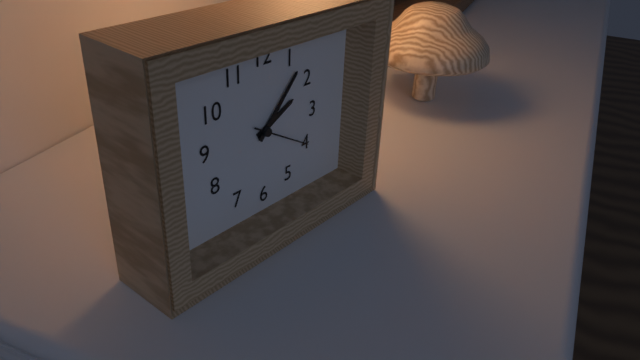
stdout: **2:07:20**
